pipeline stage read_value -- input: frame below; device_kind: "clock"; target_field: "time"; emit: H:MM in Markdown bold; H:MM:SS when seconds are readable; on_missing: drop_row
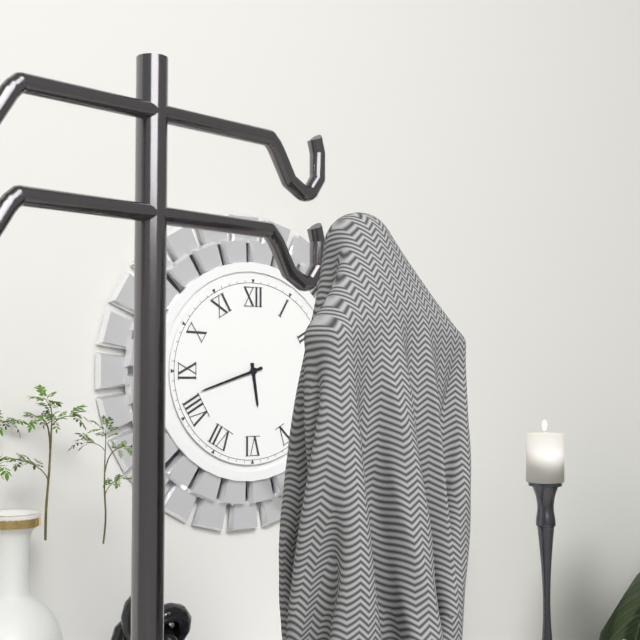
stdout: **5:42**
